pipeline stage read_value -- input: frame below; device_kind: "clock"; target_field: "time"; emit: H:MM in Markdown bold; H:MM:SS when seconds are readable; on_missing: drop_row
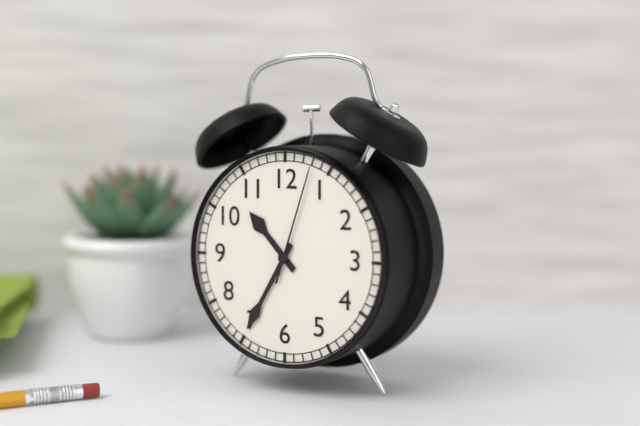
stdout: **10:35:03**
